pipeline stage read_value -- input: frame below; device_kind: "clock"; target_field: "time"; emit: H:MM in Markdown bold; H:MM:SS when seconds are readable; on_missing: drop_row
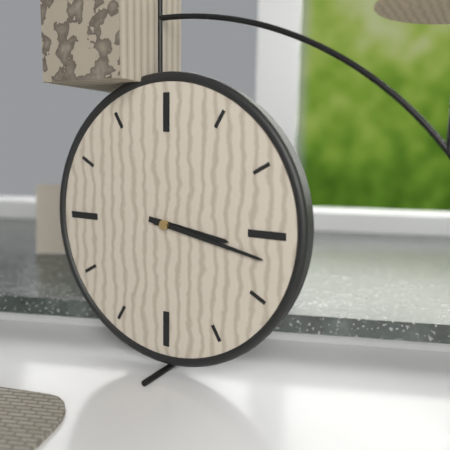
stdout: **3:17**
